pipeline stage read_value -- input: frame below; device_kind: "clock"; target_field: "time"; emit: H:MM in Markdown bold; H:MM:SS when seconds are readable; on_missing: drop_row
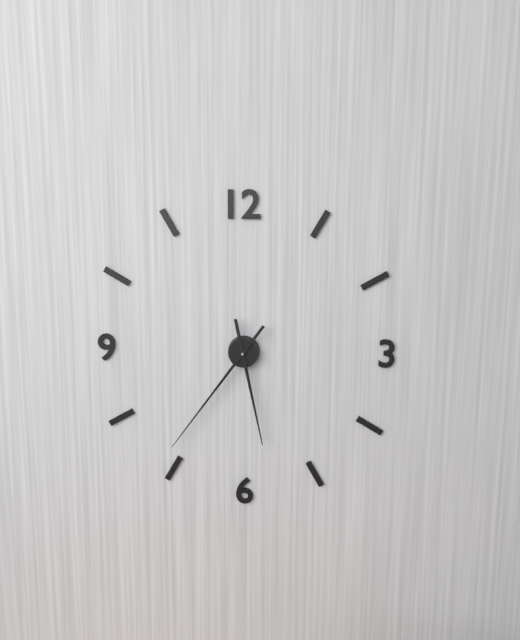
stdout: **5:36**
